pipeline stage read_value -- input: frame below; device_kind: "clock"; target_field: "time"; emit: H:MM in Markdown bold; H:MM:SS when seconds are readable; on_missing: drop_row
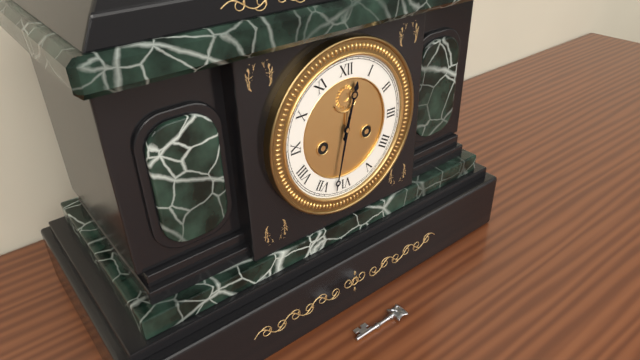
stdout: **12:32**
